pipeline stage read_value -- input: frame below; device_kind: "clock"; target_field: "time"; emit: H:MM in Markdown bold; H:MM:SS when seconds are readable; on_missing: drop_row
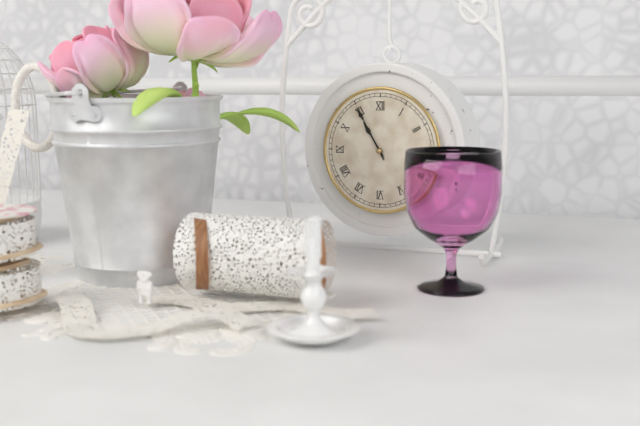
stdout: **10:55**
